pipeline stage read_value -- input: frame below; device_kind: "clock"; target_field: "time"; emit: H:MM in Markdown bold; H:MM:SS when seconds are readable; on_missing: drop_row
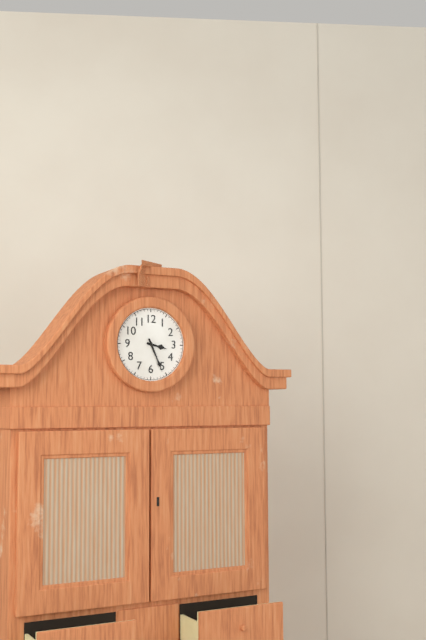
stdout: **3:26**
